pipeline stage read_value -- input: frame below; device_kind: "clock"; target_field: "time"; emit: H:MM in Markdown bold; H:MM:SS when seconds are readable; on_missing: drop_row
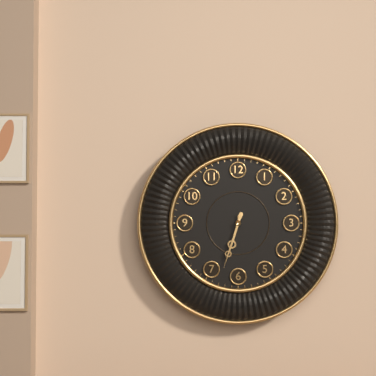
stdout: **6:33**
